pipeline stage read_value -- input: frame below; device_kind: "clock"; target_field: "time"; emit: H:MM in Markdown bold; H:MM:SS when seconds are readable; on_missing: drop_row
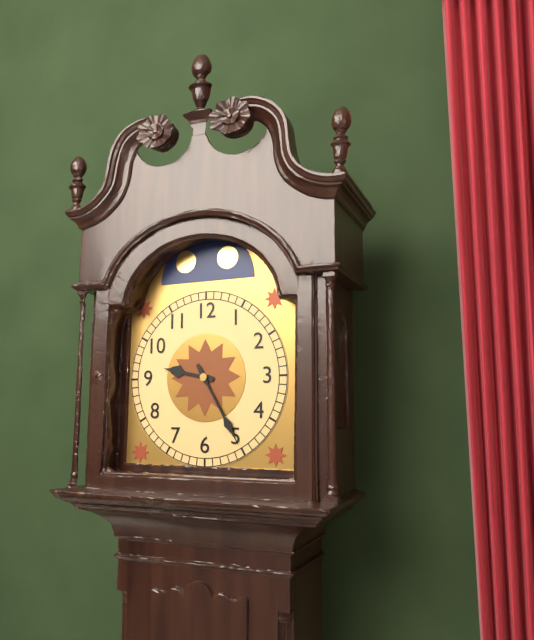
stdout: **9:25**
